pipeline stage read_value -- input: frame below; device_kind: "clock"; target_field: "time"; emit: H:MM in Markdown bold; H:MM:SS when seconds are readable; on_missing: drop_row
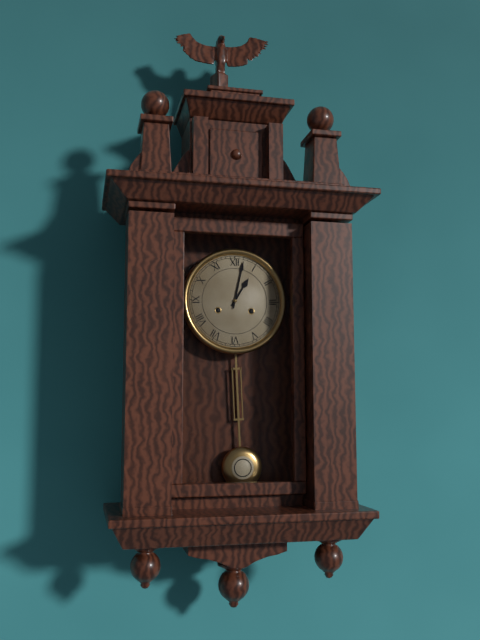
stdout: **1:02**
